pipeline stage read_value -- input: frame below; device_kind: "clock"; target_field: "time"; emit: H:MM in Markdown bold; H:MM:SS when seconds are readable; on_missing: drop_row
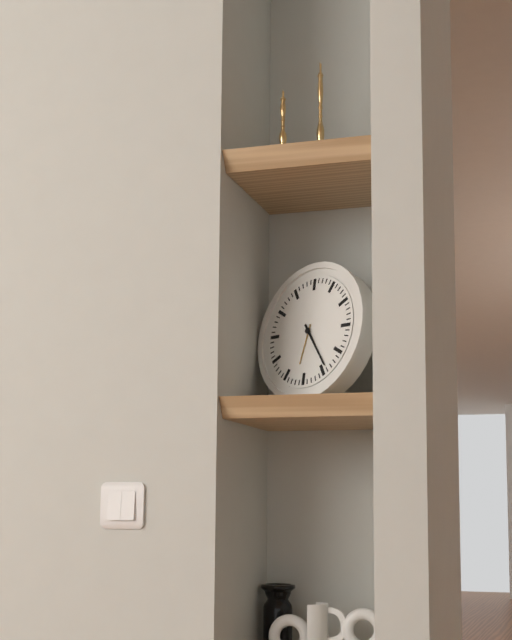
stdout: **6:24**
